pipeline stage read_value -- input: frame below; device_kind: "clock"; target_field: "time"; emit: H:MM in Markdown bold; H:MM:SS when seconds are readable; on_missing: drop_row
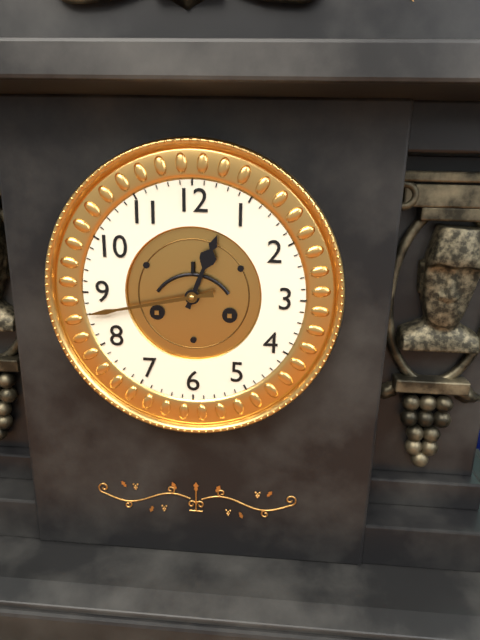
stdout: **12:43**
